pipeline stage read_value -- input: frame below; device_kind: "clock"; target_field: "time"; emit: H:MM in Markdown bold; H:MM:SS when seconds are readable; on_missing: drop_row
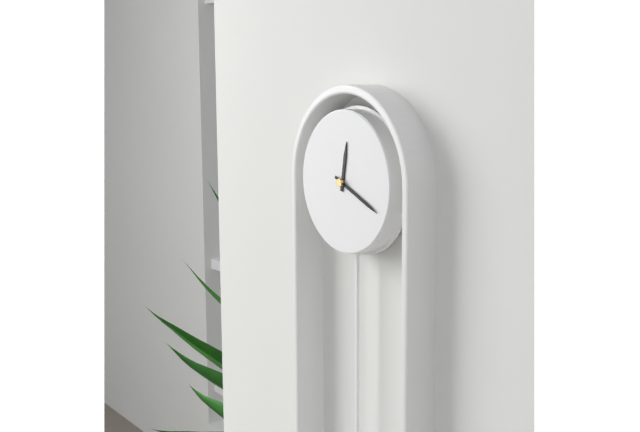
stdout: **12:19**
